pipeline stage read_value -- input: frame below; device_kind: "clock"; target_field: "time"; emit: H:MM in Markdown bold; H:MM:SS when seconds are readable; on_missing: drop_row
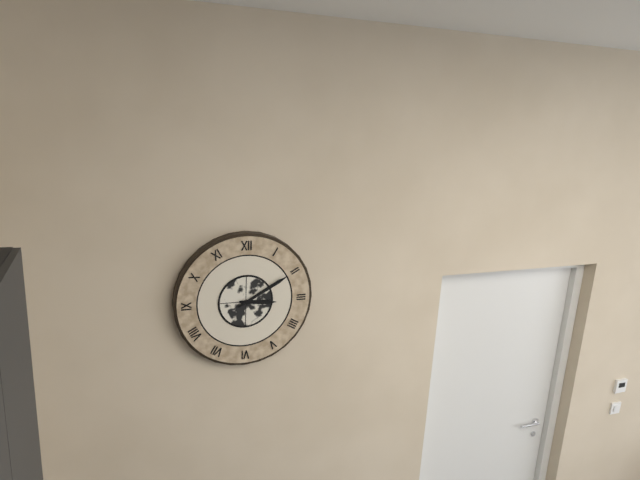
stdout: **3:10**
